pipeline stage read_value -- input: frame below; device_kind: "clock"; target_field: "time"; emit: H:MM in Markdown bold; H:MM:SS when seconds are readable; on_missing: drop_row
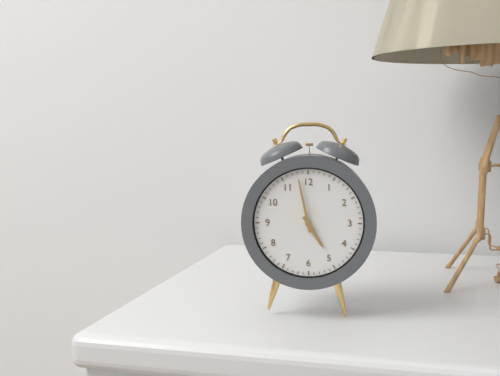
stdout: **4:58**
